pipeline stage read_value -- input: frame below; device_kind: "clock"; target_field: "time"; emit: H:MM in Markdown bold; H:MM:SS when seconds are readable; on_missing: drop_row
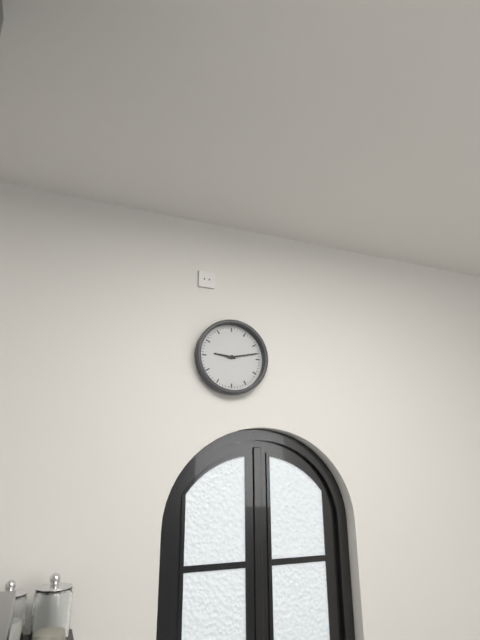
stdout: **9:13**
